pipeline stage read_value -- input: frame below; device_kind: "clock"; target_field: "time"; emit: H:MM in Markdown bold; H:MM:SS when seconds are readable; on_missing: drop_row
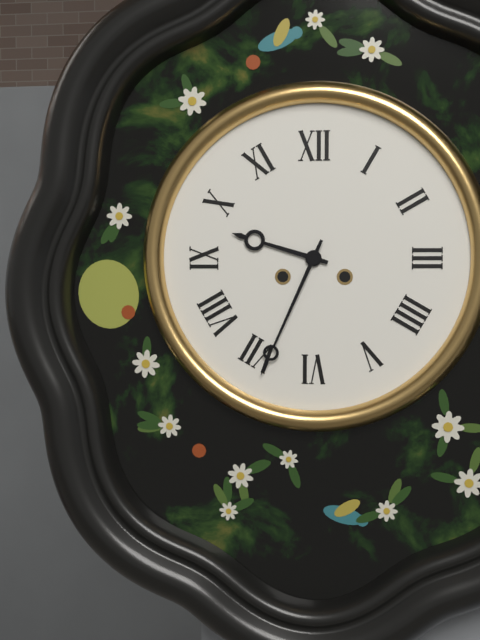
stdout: **9:34**
